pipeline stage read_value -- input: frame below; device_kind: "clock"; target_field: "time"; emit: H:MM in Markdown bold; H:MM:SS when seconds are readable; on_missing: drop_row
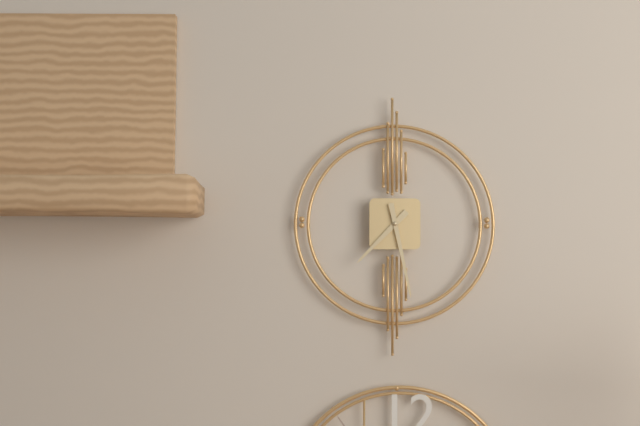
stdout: **7:28**
